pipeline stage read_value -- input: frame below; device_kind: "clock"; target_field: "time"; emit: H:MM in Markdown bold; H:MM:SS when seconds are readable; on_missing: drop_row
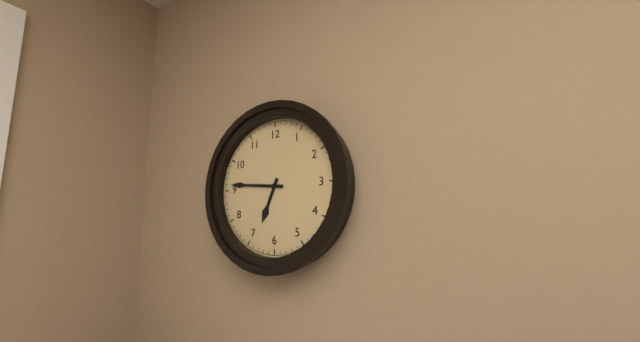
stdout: **6:46**
